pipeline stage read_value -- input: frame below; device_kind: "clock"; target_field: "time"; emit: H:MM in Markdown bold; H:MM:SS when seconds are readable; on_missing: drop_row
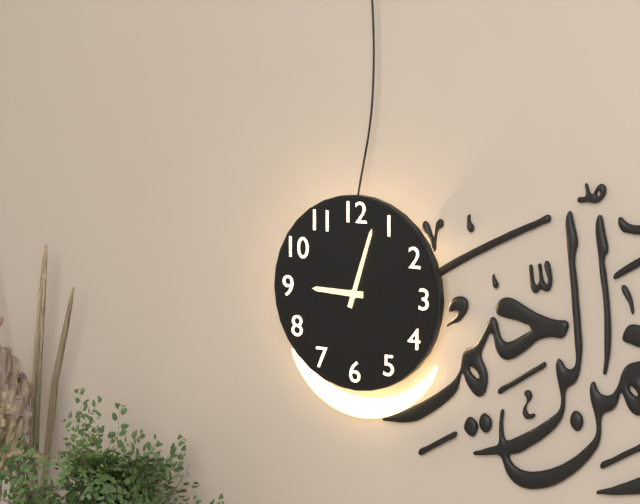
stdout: **9:03**
